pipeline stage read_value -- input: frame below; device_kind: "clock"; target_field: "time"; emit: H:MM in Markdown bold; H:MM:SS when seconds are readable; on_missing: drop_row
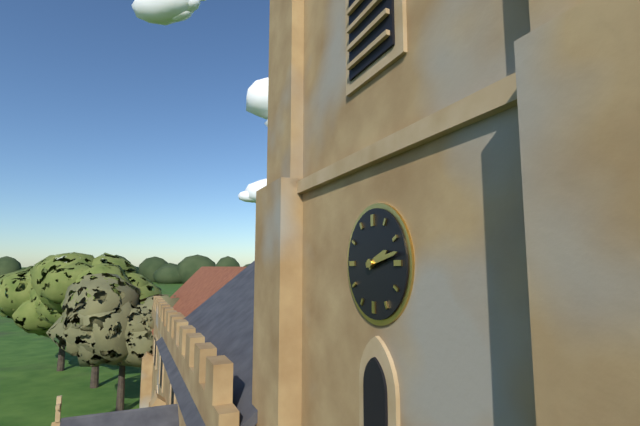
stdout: **2:13**
